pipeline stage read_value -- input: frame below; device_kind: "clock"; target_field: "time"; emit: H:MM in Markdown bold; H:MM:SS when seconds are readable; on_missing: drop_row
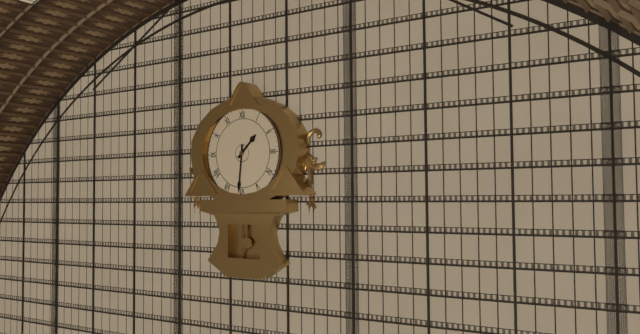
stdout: **1:31**
